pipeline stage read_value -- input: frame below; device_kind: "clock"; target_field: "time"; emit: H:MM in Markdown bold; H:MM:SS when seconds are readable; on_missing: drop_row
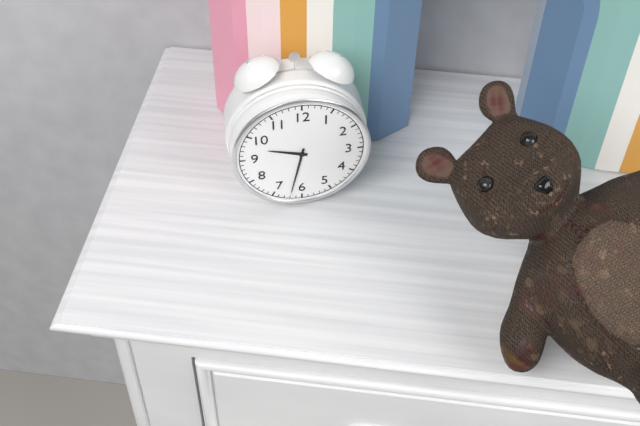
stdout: **9:32**
